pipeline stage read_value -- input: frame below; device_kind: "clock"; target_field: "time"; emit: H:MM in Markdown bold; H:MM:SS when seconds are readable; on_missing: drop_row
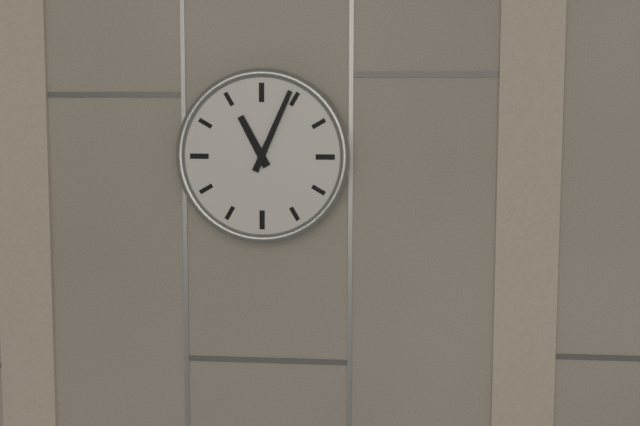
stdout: **11:04**
